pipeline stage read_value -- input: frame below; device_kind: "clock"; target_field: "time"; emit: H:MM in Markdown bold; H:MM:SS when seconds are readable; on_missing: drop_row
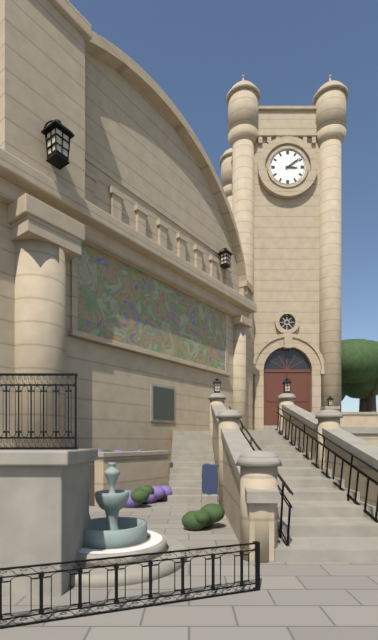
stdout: **3:09**
